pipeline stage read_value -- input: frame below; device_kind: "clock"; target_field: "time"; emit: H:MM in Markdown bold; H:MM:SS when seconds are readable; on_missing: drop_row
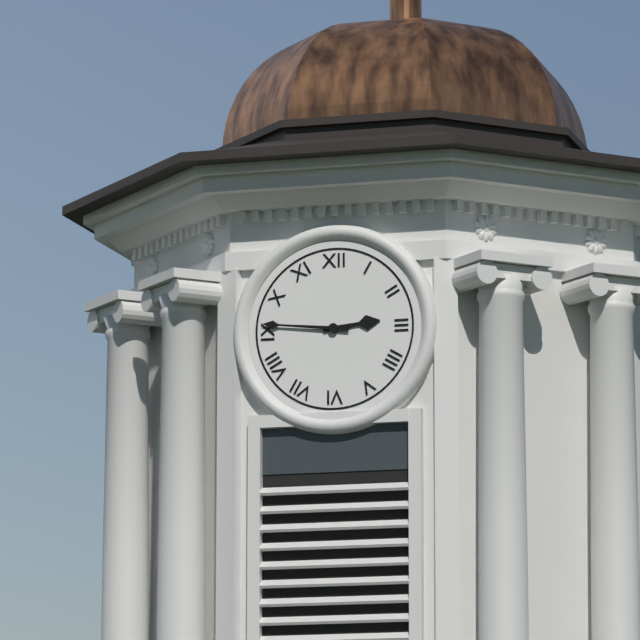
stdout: **2:46**
